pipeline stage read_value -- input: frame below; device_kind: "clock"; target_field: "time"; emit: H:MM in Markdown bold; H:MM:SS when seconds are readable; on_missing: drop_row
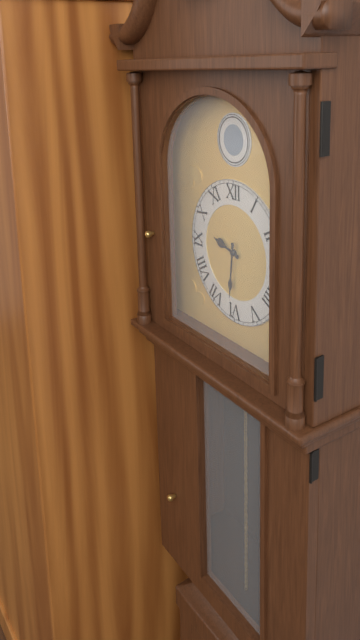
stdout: **9:31**
